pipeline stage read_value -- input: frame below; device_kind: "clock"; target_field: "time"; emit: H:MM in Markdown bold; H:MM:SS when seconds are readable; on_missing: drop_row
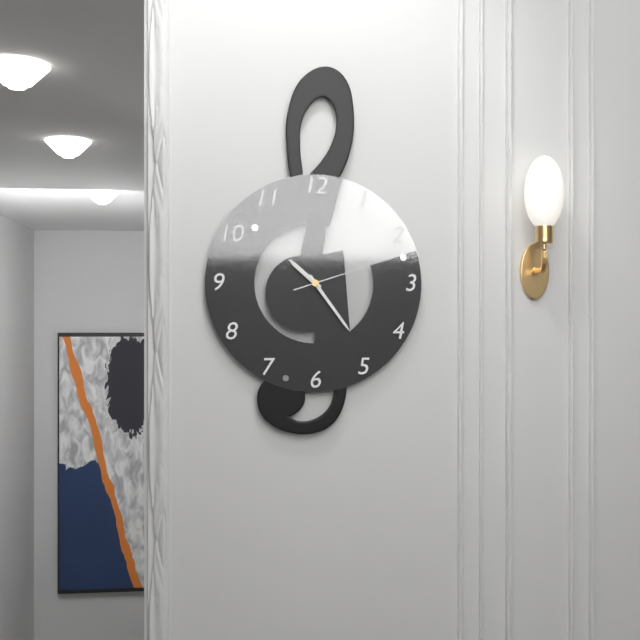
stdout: **10:24:12**
